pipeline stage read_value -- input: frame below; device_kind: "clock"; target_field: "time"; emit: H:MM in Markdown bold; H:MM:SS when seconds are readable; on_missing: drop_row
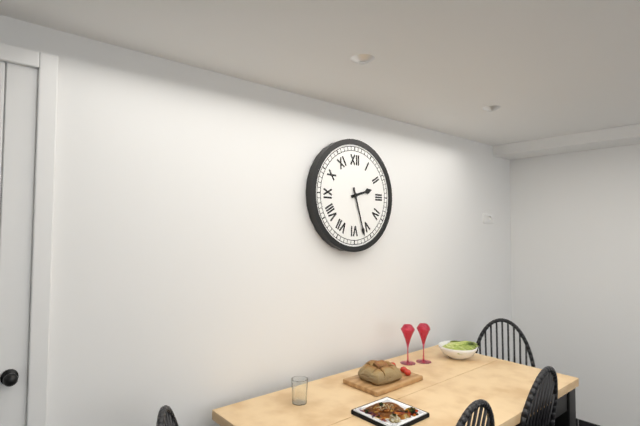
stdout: **2:27**
